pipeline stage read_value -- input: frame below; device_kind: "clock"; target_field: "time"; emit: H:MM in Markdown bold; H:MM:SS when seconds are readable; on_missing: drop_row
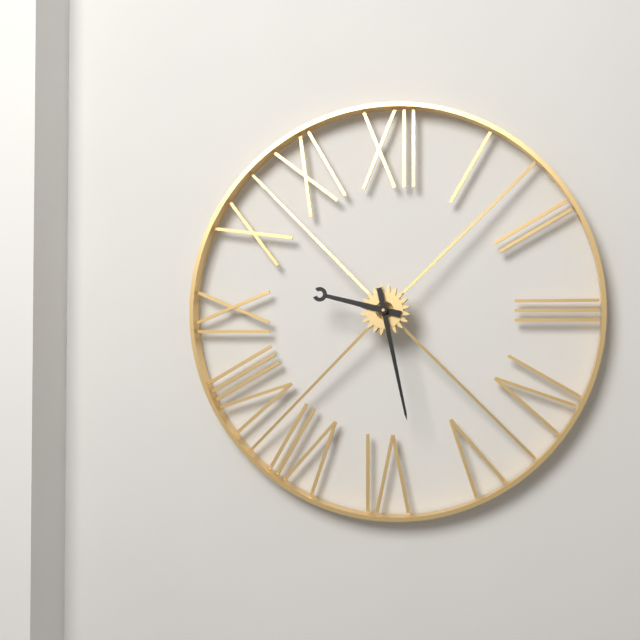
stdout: **9:28**
